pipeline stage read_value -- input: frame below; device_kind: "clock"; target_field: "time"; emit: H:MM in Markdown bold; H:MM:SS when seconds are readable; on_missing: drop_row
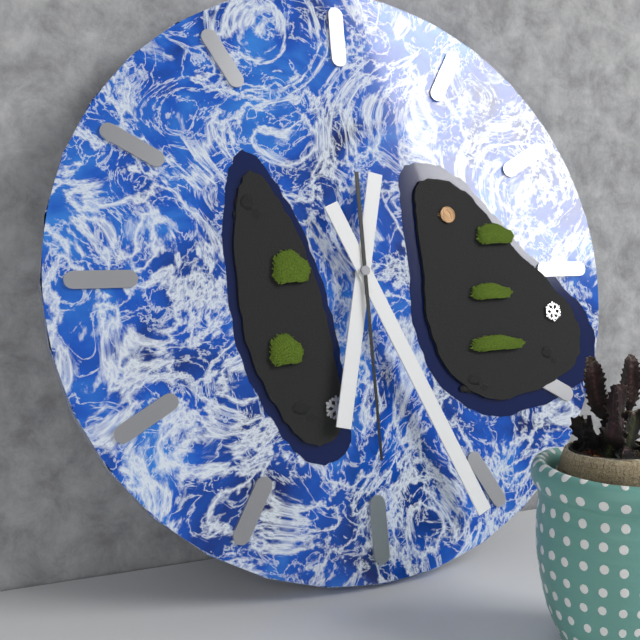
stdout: **6:26:30**
